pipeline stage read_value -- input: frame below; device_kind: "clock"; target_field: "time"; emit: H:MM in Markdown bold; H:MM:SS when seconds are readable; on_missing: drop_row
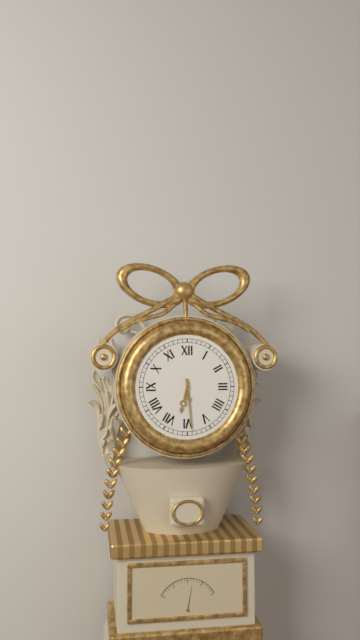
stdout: **6:29**
